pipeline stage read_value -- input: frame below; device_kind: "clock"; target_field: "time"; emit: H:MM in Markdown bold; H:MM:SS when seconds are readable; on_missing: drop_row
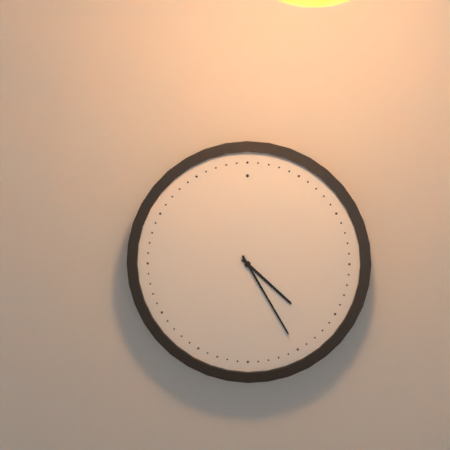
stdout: **4:25**
